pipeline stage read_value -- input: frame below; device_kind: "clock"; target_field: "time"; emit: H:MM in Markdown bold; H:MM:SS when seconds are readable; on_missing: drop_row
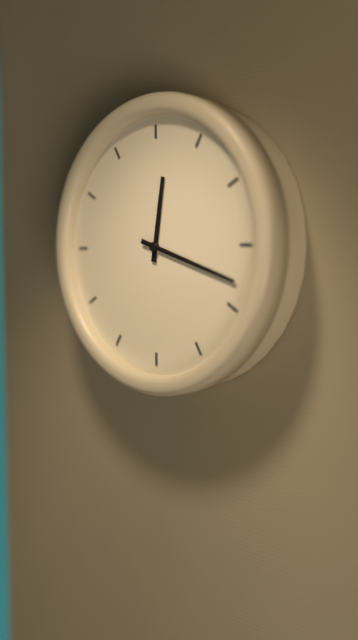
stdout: **12:18**
